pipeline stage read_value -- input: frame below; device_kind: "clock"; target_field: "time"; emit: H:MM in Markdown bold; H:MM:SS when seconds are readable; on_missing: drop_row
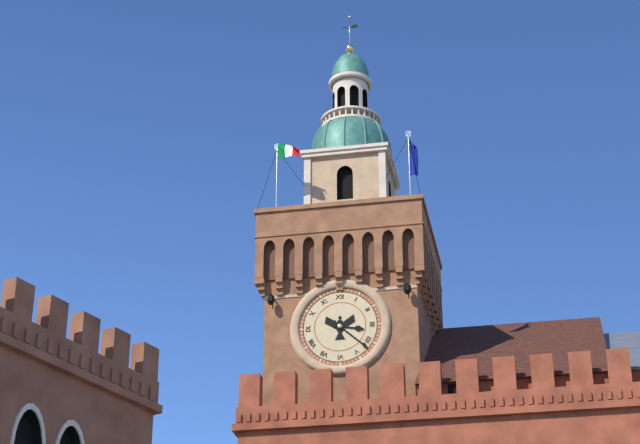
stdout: **3:22**
